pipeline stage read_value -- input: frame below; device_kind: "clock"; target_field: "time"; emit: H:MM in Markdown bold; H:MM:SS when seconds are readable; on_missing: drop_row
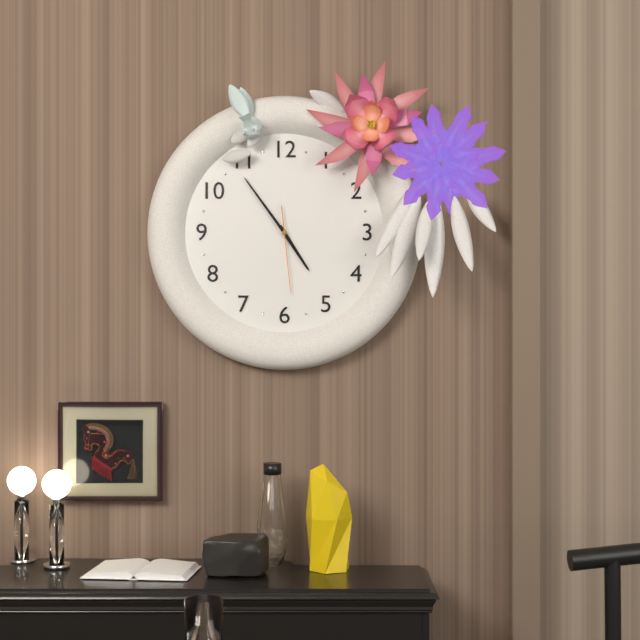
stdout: **4:54:29**
